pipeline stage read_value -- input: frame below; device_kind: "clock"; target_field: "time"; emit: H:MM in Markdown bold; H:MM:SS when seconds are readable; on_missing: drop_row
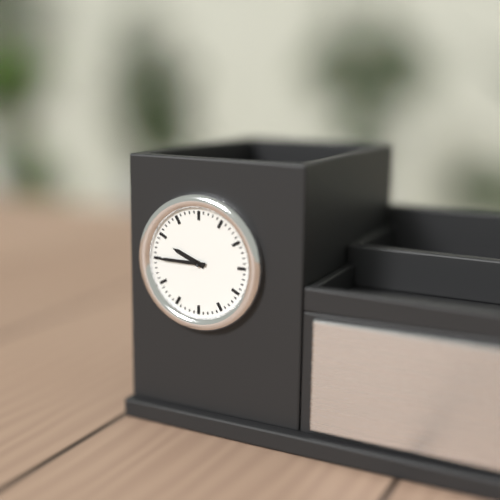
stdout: **9:45**
